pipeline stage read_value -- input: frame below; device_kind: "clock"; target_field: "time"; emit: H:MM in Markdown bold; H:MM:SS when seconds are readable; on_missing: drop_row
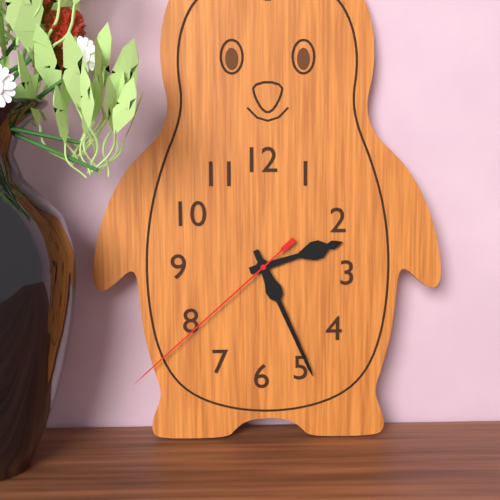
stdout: **2:26:38**
